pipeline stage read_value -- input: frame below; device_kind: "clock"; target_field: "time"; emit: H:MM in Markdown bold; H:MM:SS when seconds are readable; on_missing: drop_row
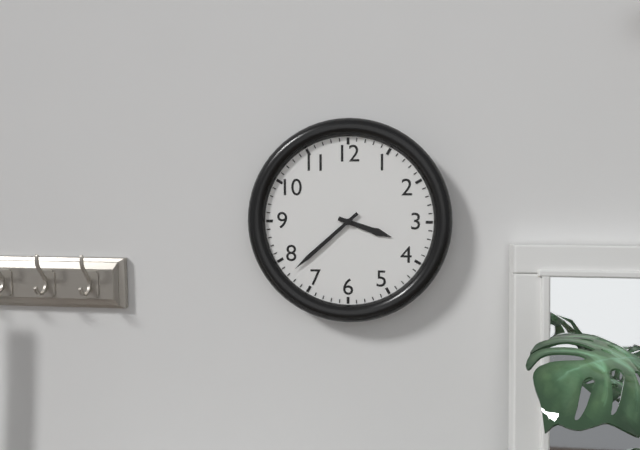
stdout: **3:38**
